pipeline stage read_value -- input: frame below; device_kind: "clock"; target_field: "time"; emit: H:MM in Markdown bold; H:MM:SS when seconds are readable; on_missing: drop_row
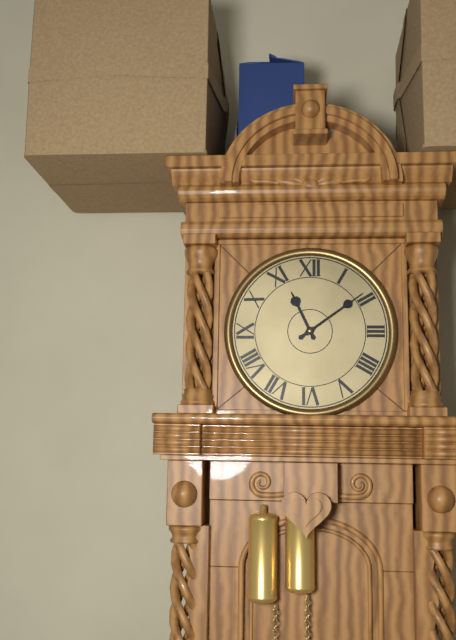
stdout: **11:09**
